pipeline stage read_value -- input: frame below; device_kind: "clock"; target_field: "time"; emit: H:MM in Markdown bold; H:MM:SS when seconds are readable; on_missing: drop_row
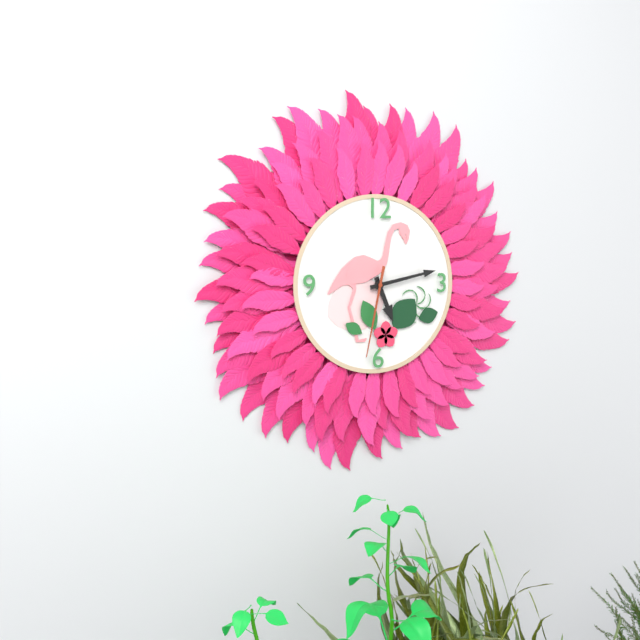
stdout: **5:13:32**
